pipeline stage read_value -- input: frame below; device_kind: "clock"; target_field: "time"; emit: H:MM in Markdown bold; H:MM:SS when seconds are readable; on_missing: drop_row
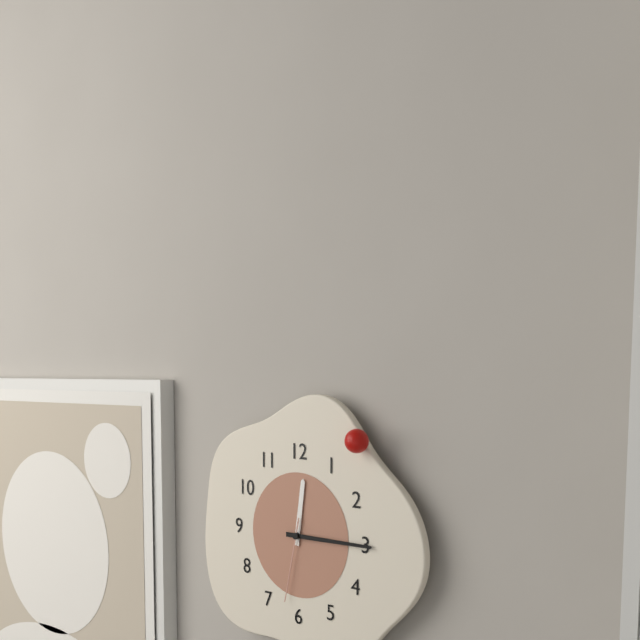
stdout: **12:15:32**
